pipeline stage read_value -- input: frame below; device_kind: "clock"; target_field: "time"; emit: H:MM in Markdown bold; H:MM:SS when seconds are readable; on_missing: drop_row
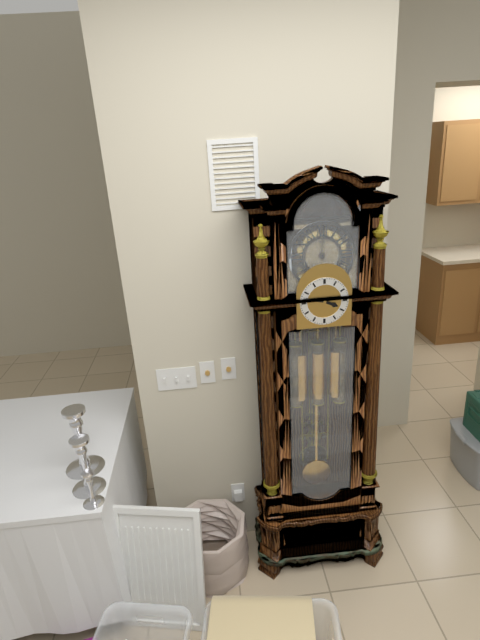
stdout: **3:47**
